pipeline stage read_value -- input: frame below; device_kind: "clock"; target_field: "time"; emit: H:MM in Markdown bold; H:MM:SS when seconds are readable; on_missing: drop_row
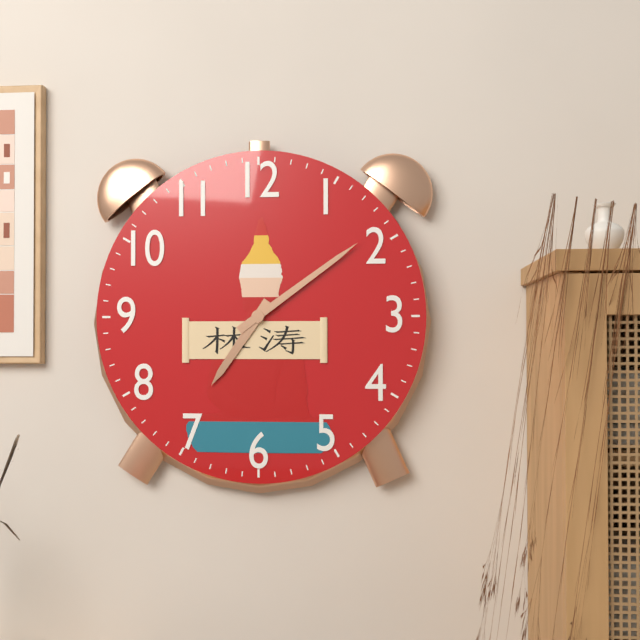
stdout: **7:09**
